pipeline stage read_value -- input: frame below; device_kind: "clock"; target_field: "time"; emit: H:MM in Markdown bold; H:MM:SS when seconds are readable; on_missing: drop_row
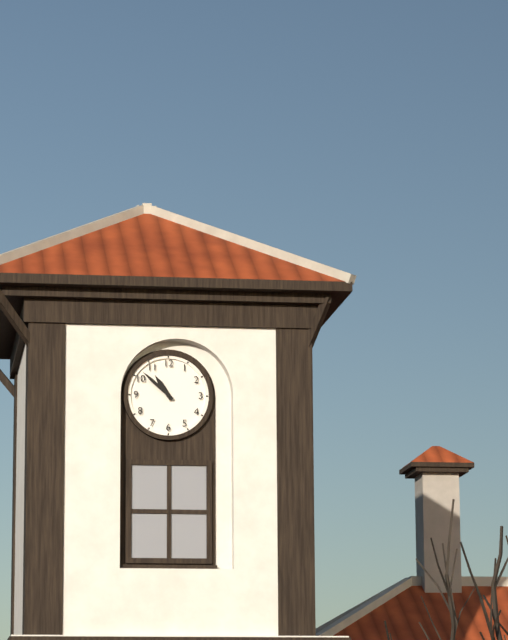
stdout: **10:52**
